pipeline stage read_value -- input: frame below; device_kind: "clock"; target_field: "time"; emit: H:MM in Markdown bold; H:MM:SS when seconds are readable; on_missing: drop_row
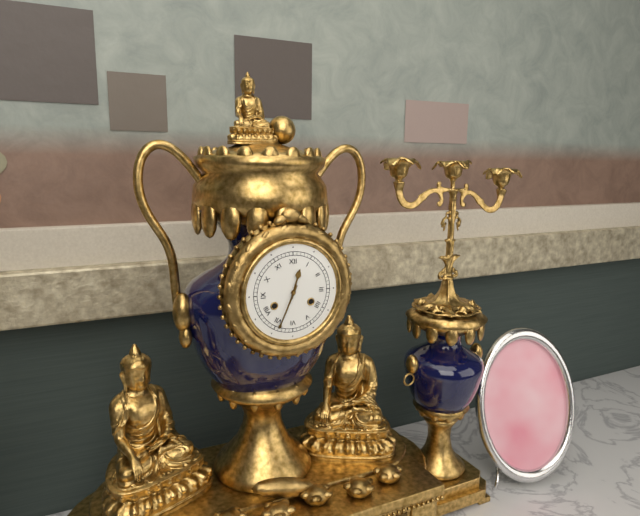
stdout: **12:34**
